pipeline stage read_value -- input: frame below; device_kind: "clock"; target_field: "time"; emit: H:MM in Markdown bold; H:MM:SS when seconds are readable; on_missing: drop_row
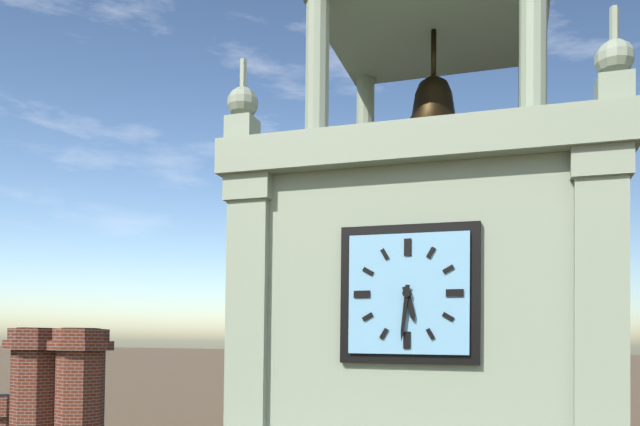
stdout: **5:31**
